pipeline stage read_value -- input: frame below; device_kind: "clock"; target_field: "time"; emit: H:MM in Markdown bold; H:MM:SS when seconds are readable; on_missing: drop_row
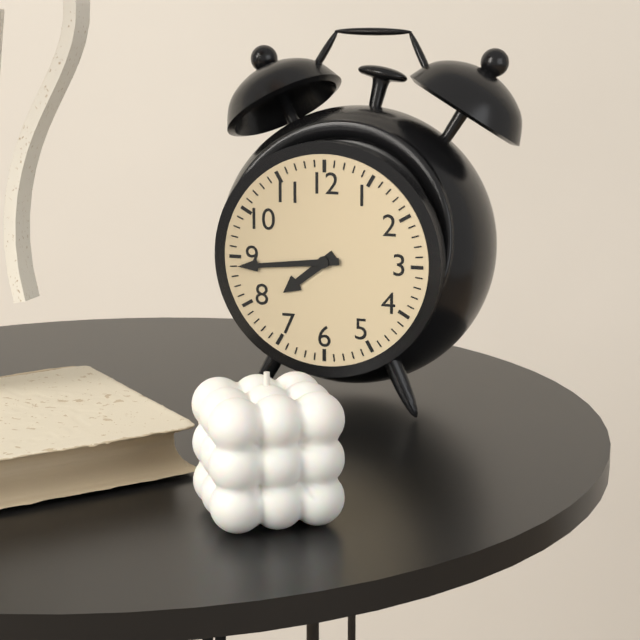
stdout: **7:44**
